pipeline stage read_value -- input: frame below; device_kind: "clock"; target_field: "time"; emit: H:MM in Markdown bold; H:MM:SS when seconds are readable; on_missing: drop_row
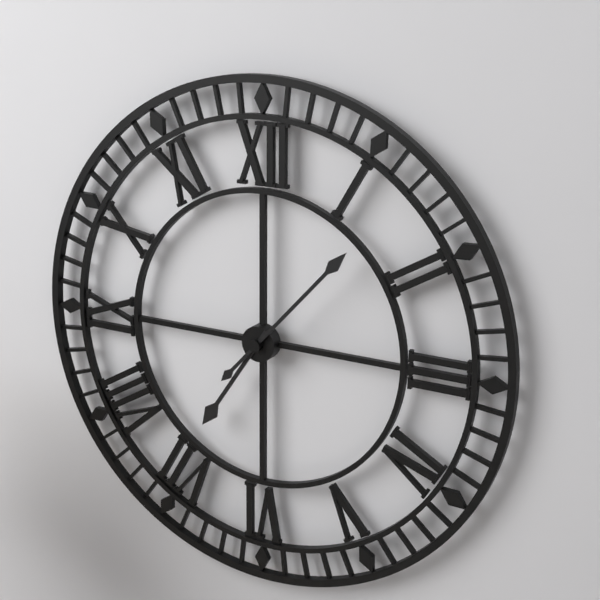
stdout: **7:07**
